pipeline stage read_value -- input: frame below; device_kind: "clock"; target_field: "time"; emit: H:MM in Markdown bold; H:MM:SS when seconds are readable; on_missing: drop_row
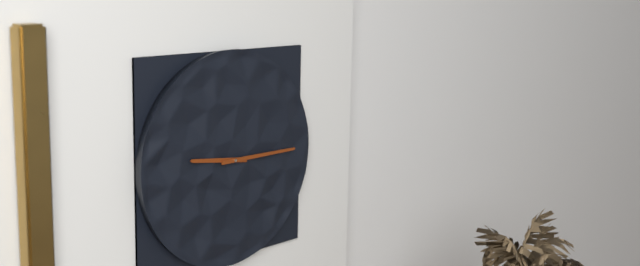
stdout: **9:15**
